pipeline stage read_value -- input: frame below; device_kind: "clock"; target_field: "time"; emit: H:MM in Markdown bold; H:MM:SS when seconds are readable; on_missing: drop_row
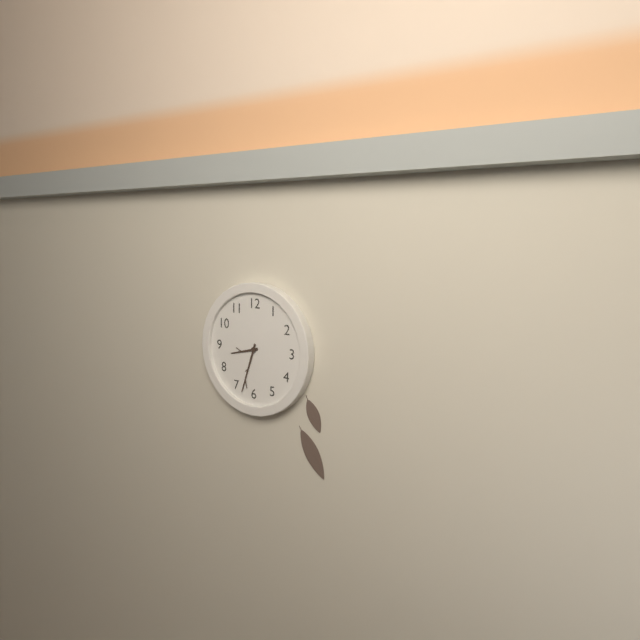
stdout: **8:33**
